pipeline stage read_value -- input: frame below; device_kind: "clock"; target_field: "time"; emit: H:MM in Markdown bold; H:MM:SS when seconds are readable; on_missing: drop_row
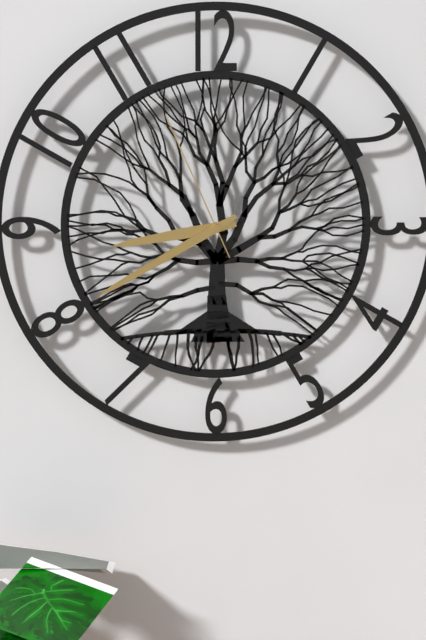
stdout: **8:40:56**
